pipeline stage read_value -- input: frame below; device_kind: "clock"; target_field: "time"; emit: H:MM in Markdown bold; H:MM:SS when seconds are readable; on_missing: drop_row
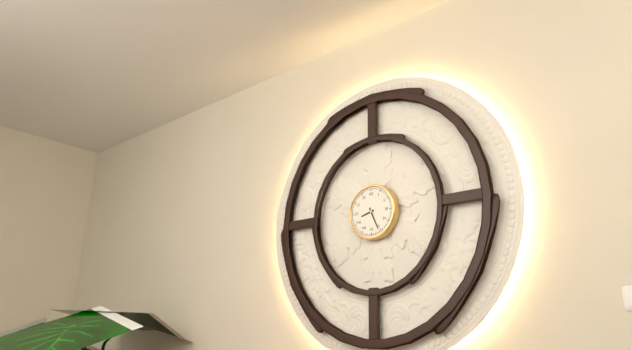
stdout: **8:26**
